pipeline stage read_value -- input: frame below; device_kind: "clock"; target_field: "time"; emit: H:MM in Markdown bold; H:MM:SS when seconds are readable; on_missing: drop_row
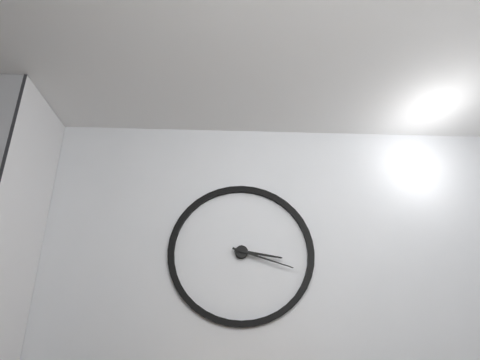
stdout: **3:18**
